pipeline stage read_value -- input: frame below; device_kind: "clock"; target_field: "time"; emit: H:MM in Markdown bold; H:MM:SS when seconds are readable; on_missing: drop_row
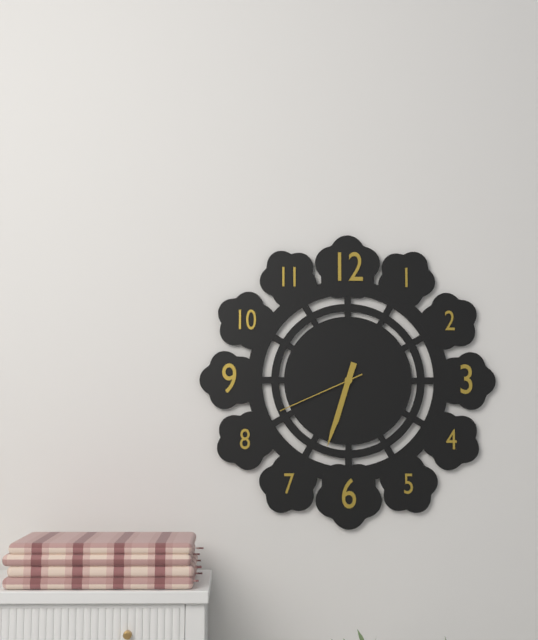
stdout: **6:33:41**
